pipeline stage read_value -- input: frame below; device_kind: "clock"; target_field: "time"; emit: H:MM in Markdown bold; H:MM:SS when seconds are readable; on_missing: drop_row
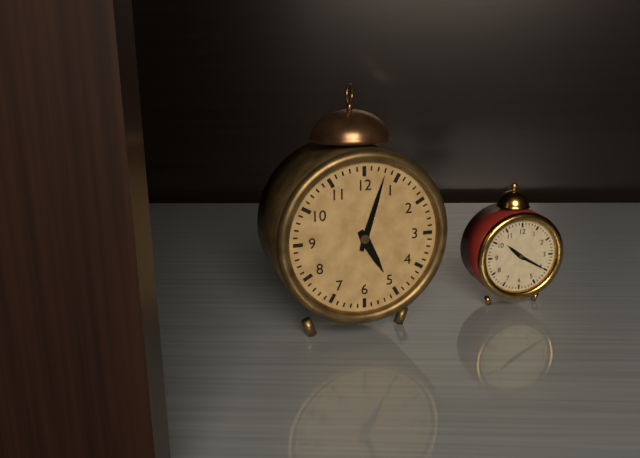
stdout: **5:03**
